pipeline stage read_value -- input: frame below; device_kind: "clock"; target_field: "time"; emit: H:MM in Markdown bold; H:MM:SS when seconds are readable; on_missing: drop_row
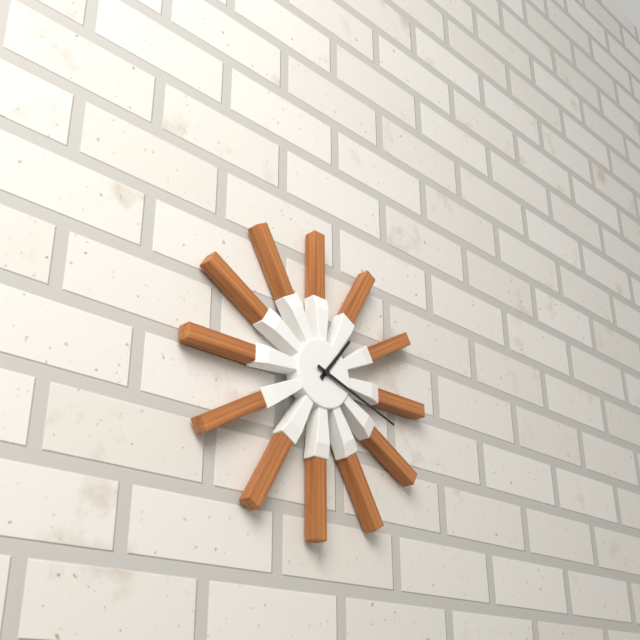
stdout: **1:18**
